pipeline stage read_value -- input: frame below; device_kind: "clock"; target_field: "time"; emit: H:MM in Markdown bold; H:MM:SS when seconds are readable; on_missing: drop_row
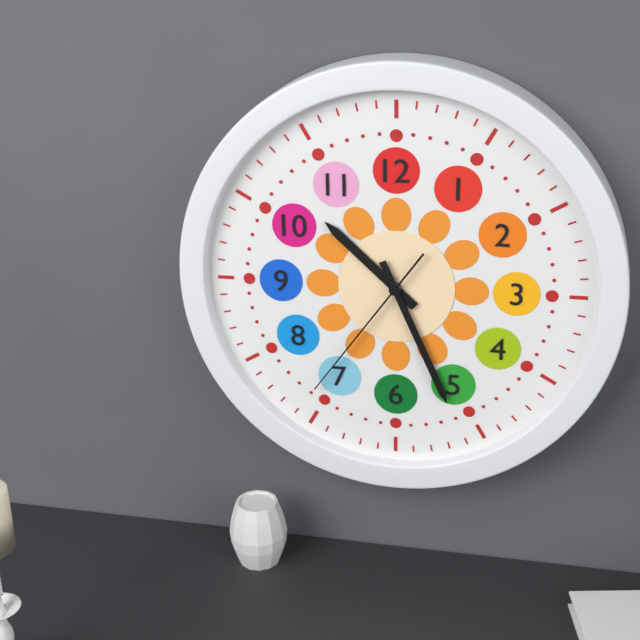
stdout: **10:26:36**
